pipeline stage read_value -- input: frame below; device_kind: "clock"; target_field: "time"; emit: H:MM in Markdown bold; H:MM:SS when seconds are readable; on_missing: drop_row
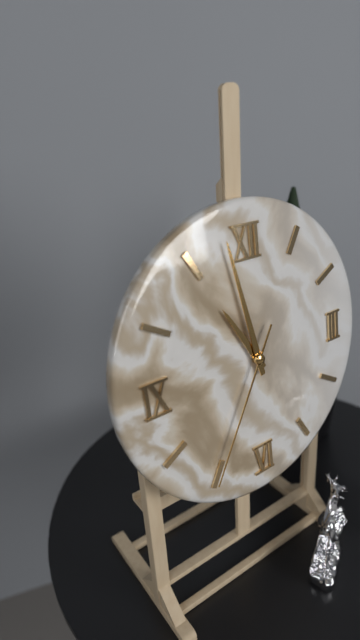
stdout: **10:58:35**
